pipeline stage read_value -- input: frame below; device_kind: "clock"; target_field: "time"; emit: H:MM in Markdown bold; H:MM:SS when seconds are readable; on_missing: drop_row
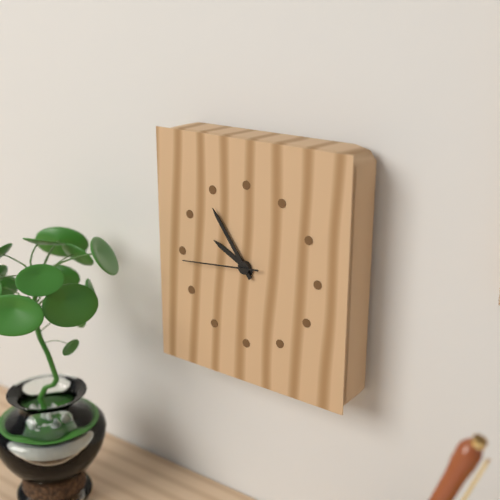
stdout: **9:54:44**
